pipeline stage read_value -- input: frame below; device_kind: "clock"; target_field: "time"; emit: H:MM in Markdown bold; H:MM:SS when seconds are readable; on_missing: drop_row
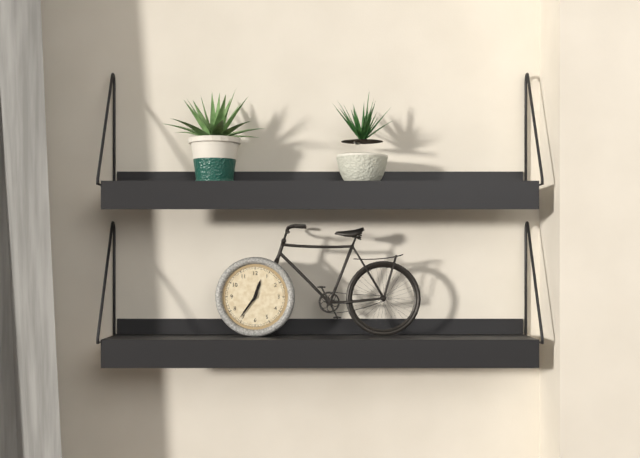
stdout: **12:36**
